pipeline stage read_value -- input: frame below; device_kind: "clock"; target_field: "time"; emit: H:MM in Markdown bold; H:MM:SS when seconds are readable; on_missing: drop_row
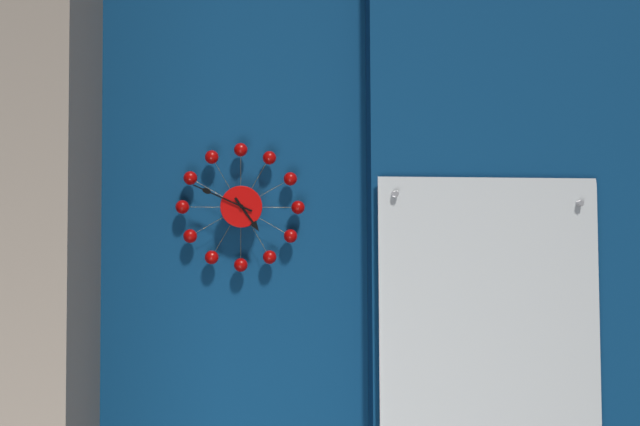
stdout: **4:49**
